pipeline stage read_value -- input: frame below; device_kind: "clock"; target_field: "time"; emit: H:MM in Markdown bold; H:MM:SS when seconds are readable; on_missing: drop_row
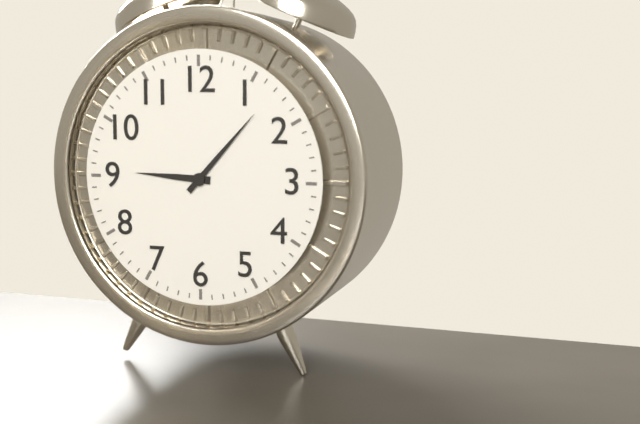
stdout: **9:07**
